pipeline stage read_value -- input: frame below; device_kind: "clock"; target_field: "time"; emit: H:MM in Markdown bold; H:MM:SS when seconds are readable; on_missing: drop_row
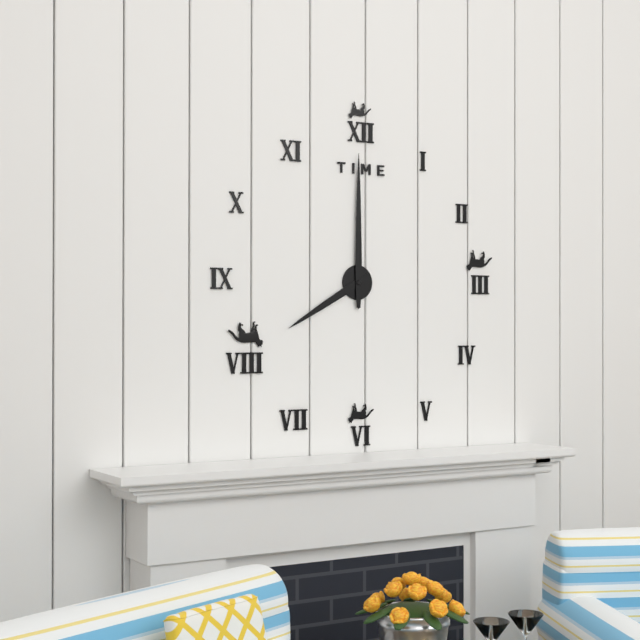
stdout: **8:00**
